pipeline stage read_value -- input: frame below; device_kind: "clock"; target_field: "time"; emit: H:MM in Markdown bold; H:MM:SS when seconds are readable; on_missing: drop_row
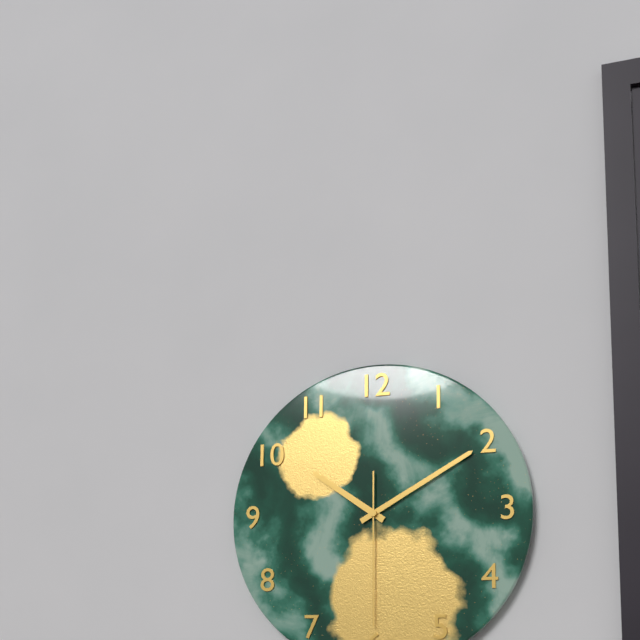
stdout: **10:10:30**
